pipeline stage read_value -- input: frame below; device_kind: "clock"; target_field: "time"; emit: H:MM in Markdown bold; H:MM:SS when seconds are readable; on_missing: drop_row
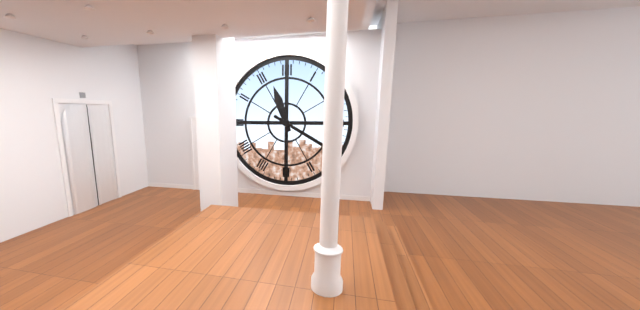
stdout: **11:20**
